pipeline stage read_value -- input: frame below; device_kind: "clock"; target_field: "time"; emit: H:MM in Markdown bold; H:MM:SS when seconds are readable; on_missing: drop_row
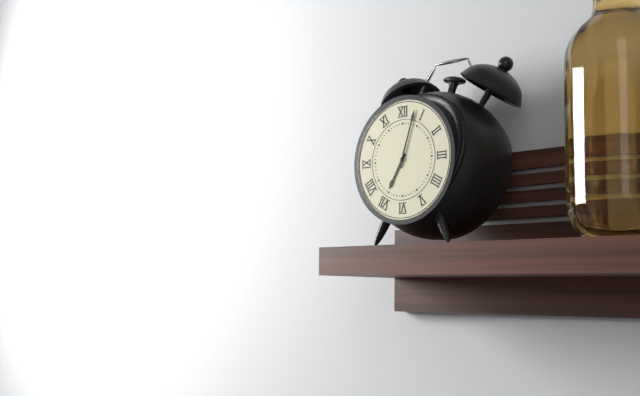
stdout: **7:03**
